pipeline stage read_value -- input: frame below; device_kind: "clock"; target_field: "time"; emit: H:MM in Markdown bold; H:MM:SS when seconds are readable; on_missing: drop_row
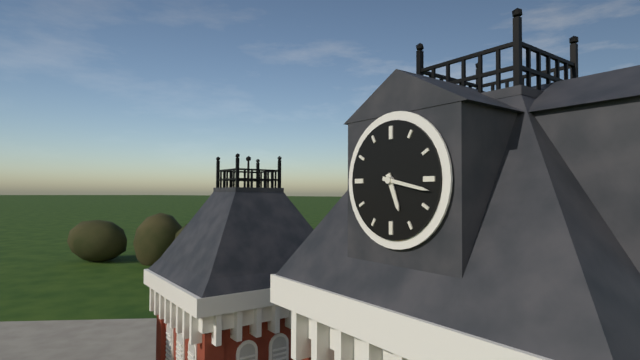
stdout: **5:17**
